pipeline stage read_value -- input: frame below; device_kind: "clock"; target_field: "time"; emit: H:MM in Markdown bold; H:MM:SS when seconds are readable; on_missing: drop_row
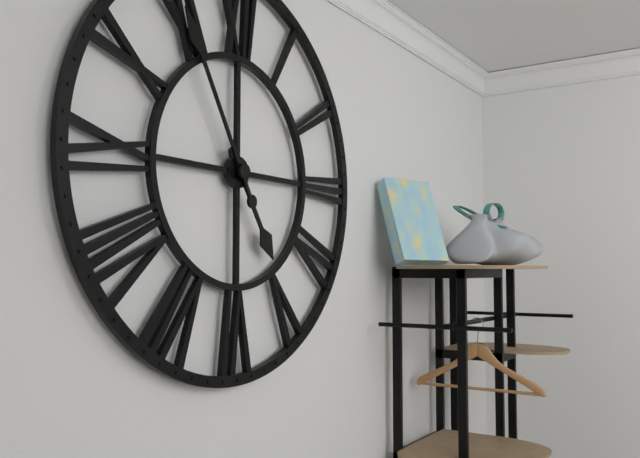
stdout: **4:55**
